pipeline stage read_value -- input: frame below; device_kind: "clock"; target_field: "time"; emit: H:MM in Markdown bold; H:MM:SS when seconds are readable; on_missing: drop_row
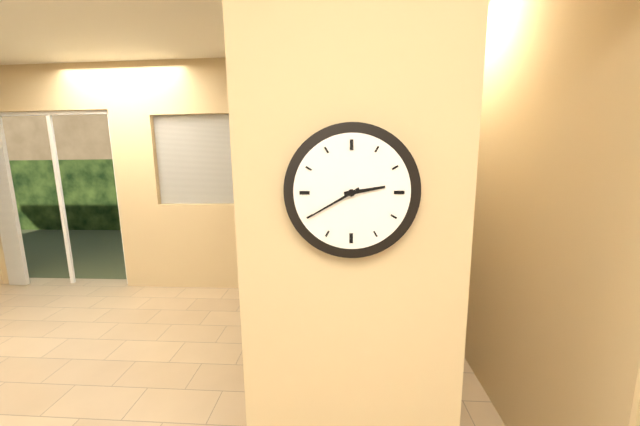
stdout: **2:40**
